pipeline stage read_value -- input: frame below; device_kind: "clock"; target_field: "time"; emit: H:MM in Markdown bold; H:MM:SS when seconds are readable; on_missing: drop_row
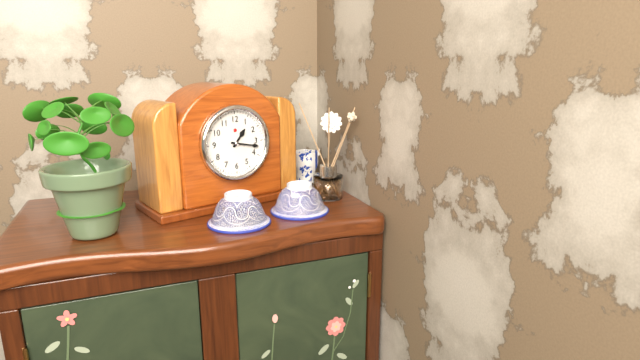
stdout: **1:17**
